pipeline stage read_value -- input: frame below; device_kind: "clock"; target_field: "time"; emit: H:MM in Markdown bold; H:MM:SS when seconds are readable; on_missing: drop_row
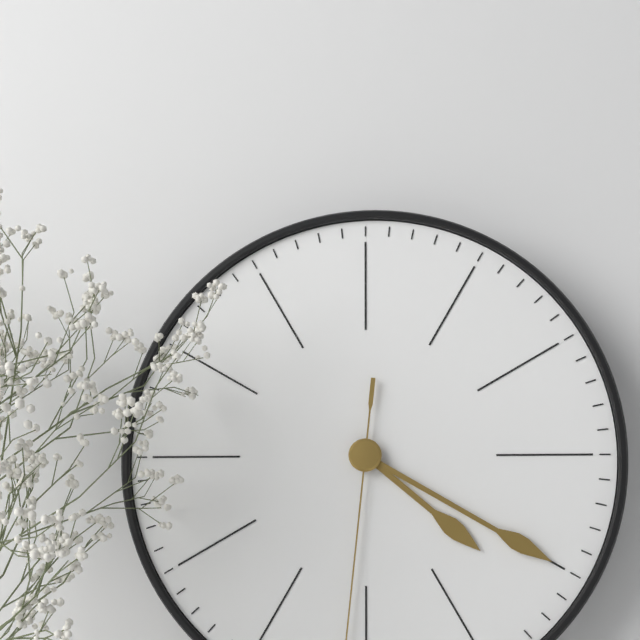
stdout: **4:20**
